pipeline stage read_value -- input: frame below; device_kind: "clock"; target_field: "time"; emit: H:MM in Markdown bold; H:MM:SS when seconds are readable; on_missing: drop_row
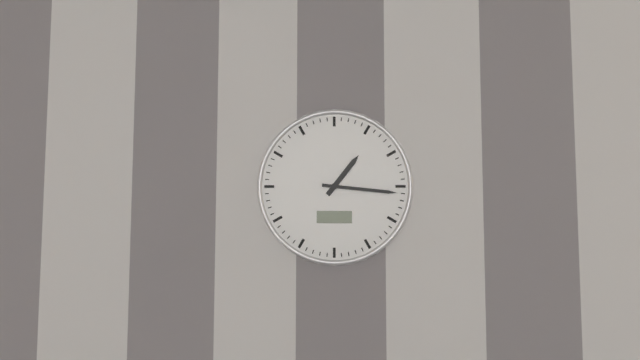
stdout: **1:16**
